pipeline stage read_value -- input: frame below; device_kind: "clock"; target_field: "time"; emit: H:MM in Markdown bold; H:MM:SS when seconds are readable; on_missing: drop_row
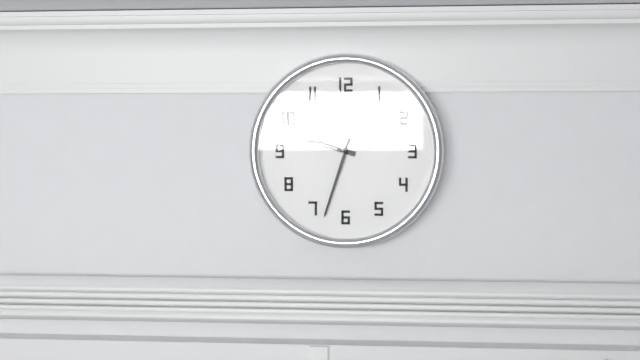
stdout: **9:33**
